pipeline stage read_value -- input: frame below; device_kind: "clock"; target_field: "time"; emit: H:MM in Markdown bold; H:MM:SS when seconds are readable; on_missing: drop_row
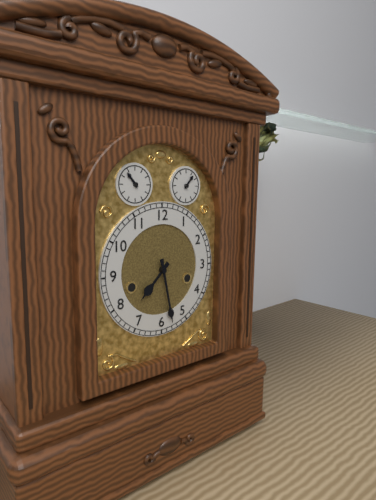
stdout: **7:28**
